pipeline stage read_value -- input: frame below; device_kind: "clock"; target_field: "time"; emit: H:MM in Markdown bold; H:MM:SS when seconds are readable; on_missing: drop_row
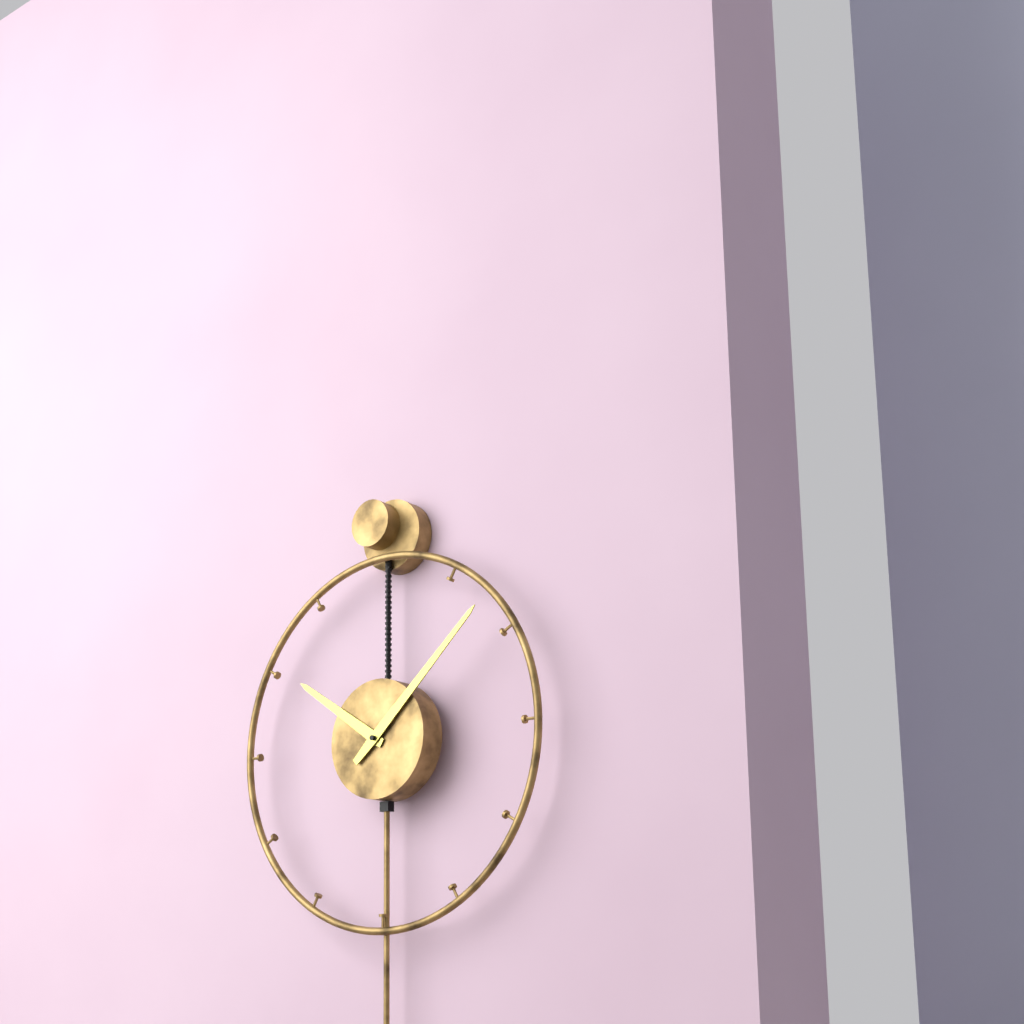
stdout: **10:08**
